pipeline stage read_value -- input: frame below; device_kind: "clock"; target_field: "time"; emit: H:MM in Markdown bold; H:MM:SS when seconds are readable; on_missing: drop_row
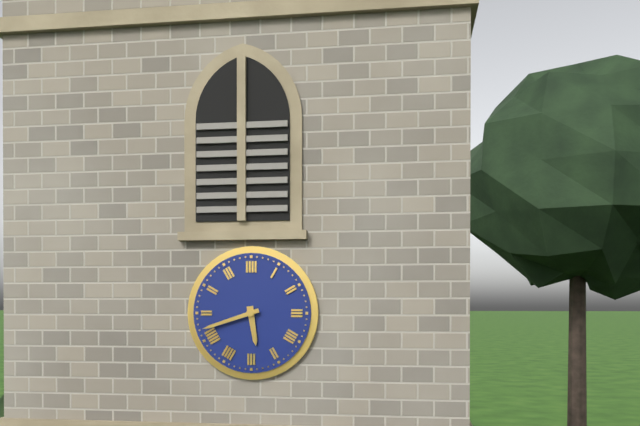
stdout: **5:42**
